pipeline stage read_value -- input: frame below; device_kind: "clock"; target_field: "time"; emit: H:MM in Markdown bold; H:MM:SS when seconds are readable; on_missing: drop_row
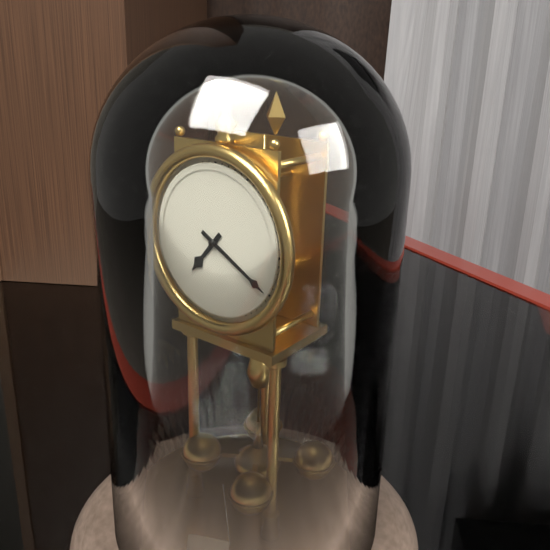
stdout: **7:20**
